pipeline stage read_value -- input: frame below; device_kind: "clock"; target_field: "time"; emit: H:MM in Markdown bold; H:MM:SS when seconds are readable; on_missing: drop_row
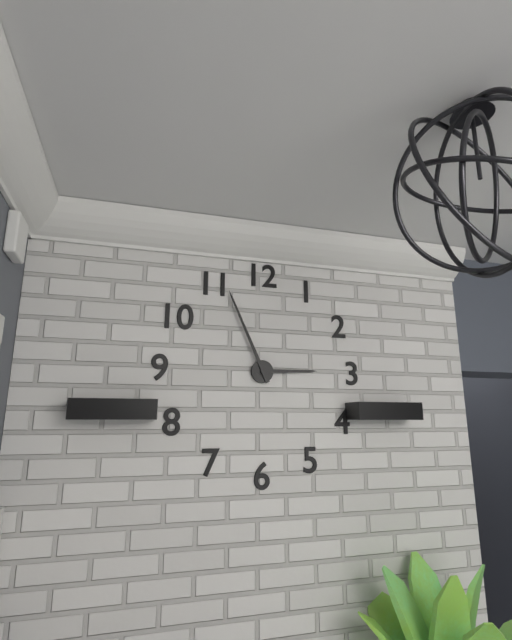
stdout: **2:56**
